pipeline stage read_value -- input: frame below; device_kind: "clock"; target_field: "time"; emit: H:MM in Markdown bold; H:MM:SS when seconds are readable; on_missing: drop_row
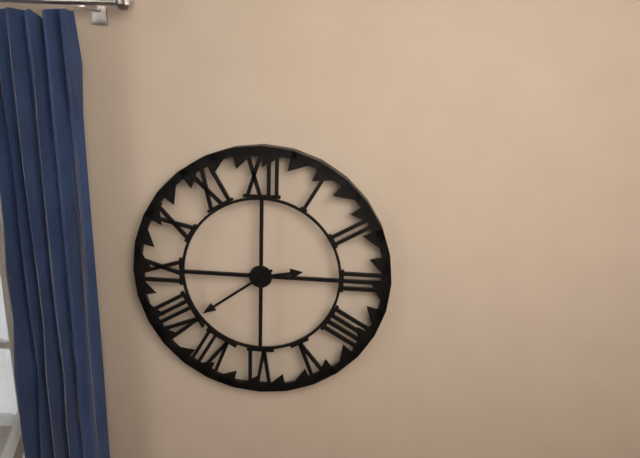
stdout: **2:39**
